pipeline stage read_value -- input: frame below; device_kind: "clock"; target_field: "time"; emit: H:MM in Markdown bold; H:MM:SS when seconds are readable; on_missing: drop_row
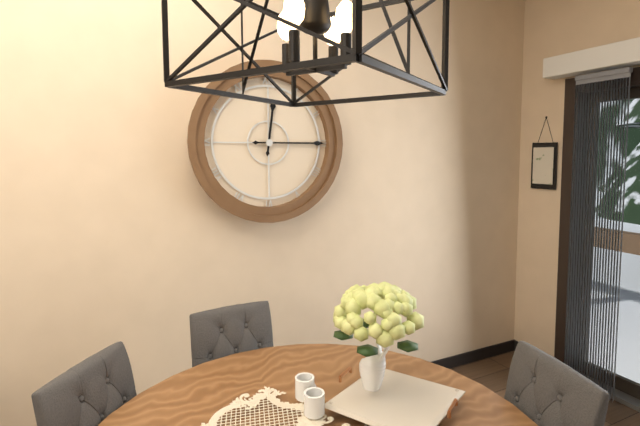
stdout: **12:15**
